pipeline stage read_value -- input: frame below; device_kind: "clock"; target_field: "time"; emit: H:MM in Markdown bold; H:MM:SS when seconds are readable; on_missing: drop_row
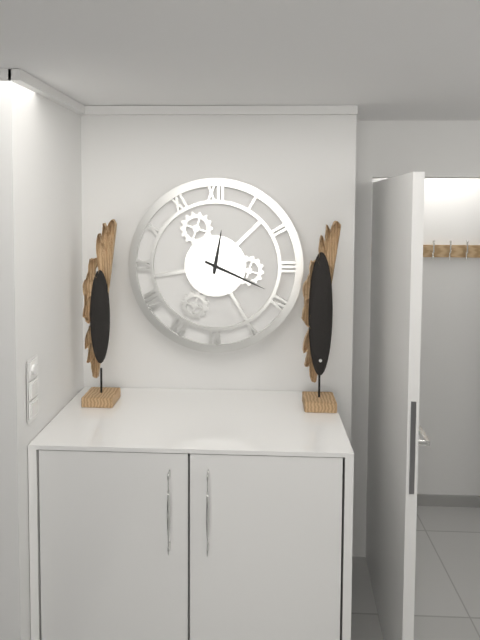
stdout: **12:19**
